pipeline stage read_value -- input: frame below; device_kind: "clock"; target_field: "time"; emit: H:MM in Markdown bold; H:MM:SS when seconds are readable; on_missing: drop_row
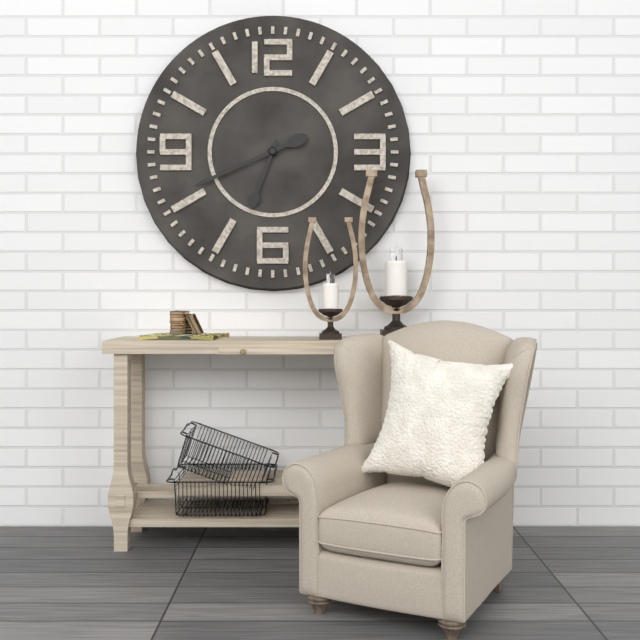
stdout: **6:41**
